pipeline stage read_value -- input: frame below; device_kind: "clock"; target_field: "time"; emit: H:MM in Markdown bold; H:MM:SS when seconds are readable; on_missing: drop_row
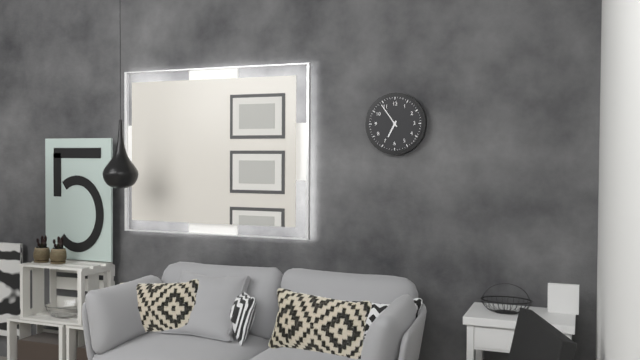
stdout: **6:54**
